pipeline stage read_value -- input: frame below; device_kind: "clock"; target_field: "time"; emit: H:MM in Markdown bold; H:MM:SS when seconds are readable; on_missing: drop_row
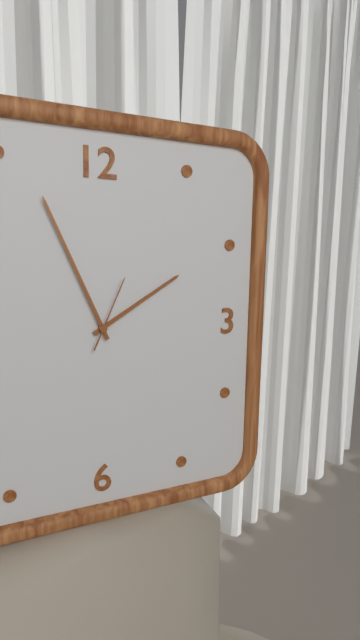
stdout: **1:56:04**
